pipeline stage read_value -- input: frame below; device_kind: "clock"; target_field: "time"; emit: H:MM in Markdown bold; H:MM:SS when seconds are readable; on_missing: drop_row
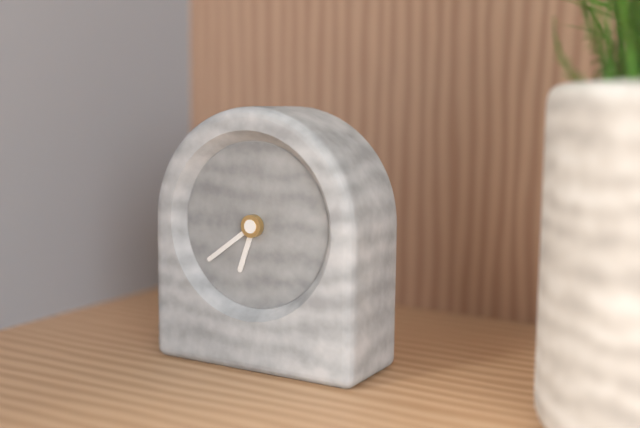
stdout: **6:39**
